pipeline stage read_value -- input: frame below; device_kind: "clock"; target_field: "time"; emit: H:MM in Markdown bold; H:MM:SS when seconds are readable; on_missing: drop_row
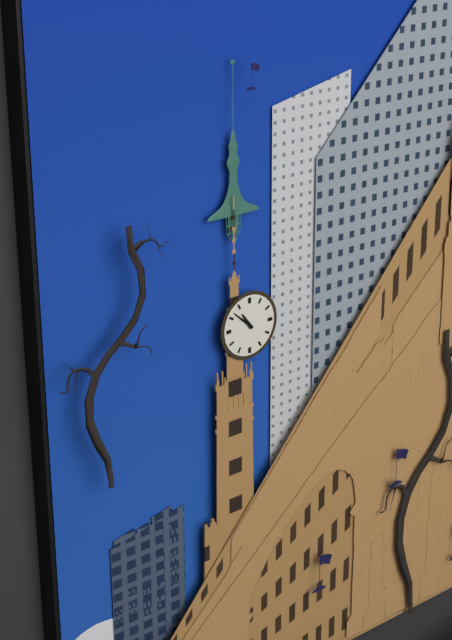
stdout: **10:52**
